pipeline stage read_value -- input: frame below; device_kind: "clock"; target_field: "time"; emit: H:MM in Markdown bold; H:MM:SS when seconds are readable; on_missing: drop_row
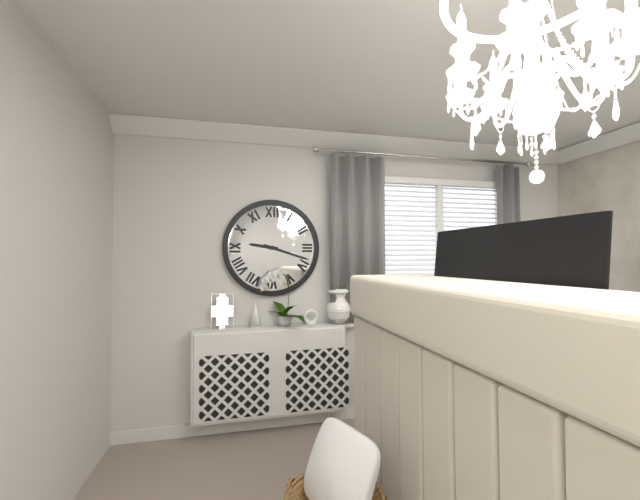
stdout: **9:18**
